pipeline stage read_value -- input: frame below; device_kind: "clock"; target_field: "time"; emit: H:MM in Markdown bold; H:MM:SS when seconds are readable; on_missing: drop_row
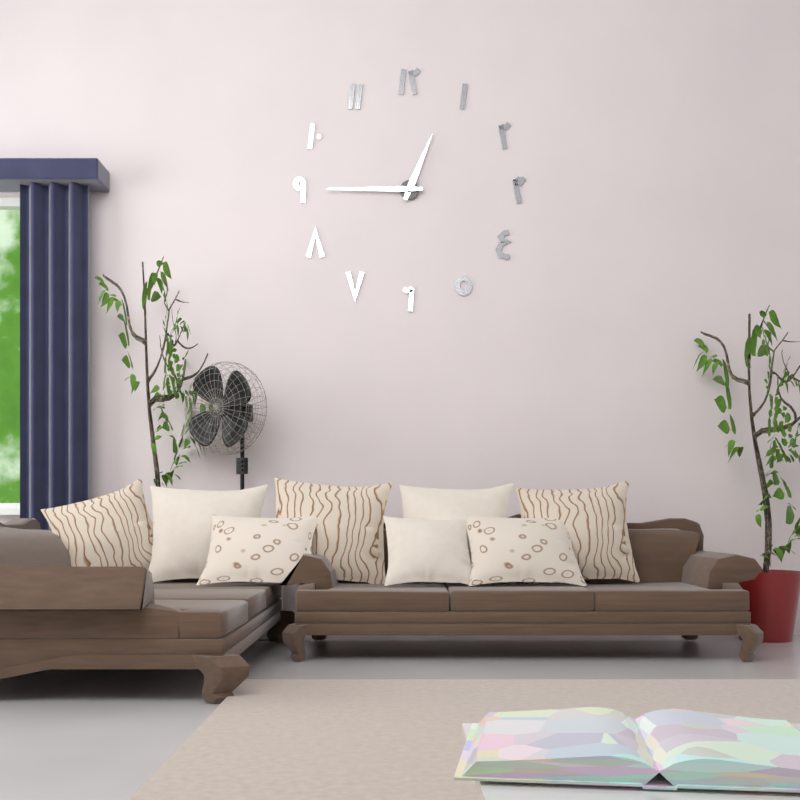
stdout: **12:45**
